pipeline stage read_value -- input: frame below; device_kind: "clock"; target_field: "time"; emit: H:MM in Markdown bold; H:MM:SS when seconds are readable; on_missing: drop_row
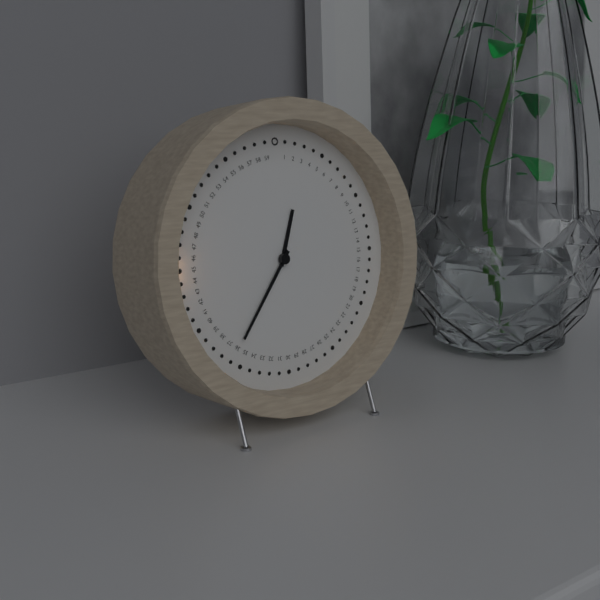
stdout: **12:36**
